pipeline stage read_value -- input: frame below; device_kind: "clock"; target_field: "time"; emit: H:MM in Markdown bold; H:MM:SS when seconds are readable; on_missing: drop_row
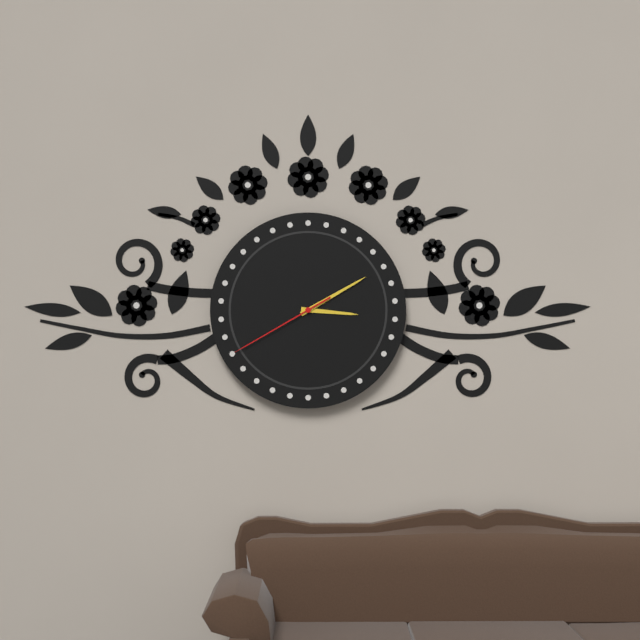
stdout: **3:10:40**
